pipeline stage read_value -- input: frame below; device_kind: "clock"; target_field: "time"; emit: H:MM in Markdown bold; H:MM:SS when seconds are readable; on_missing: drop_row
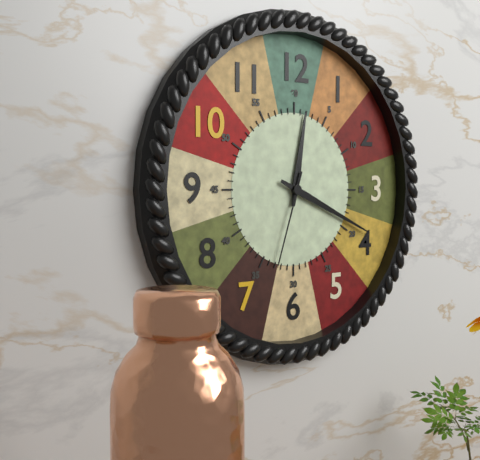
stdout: **12:19:33**
